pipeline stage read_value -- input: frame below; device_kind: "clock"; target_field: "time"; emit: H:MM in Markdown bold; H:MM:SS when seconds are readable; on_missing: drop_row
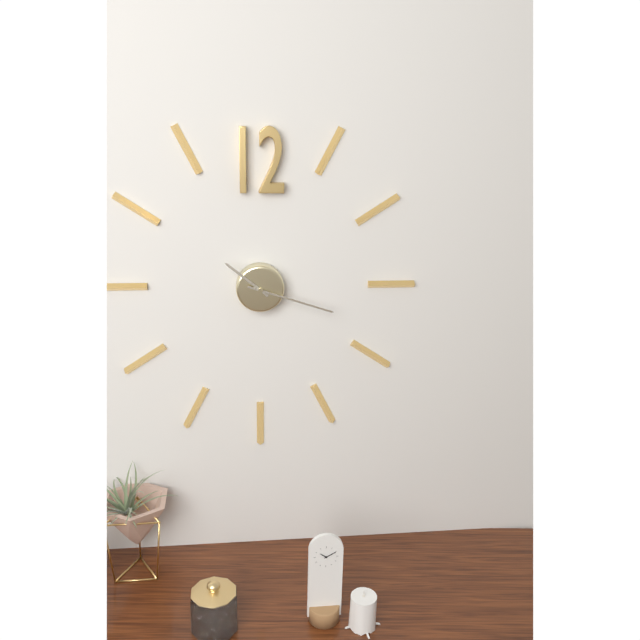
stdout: **10:18**
